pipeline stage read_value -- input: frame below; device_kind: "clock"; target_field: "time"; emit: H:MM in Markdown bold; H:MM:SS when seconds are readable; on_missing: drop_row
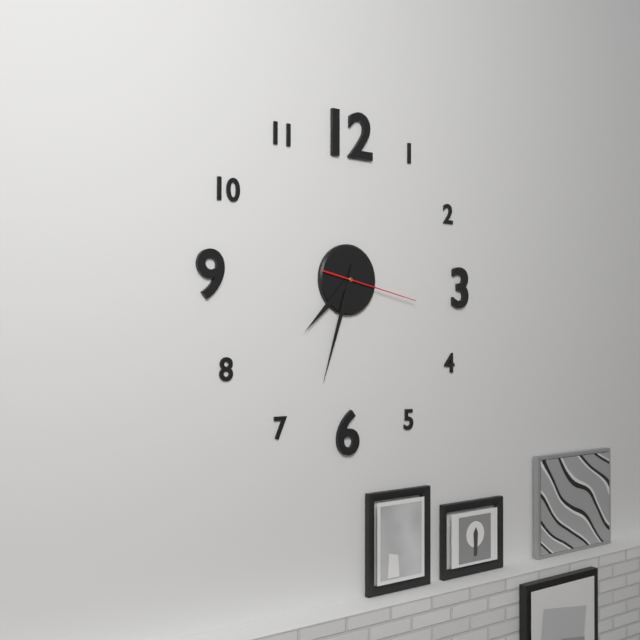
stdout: **7:33:17**
